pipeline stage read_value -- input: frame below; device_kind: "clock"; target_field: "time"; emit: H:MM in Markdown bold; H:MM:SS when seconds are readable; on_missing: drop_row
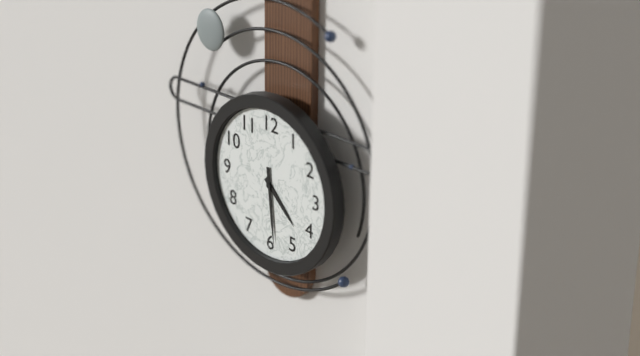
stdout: **4:29**
